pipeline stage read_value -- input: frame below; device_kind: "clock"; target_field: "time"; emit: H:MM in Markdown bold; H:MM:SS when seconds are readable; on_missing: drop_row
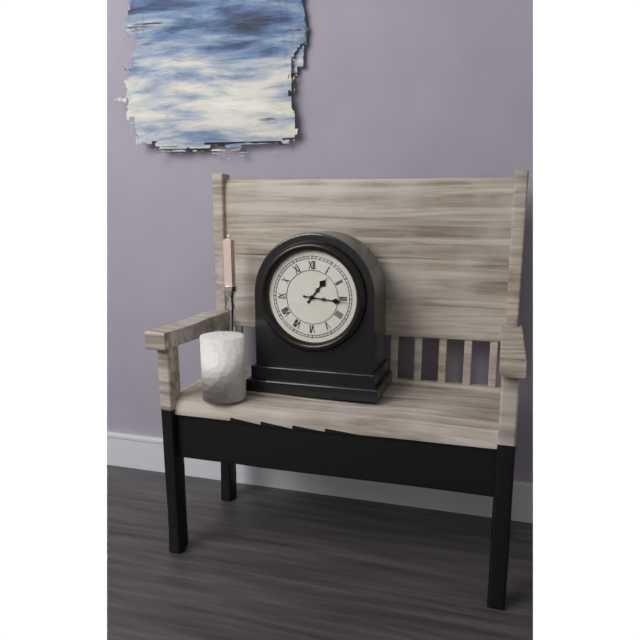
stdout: **1:16**
